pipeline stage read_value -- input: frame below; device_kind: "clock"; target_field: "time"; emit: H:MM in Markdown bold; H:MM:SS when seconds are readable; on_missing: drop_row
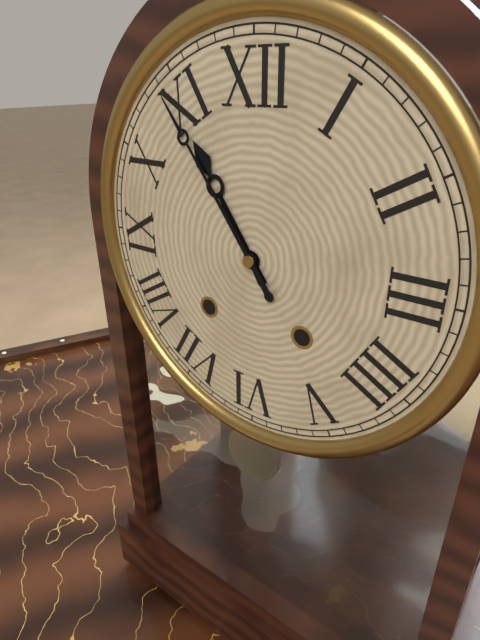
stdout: **10:54**
